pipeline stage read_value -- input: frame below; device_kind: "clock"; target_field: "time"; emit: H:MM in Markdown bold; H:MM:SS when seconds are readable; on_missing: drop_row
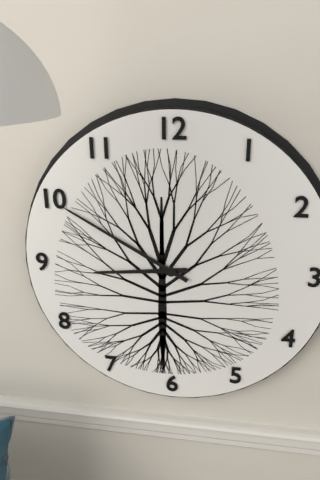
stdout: **8:50**
